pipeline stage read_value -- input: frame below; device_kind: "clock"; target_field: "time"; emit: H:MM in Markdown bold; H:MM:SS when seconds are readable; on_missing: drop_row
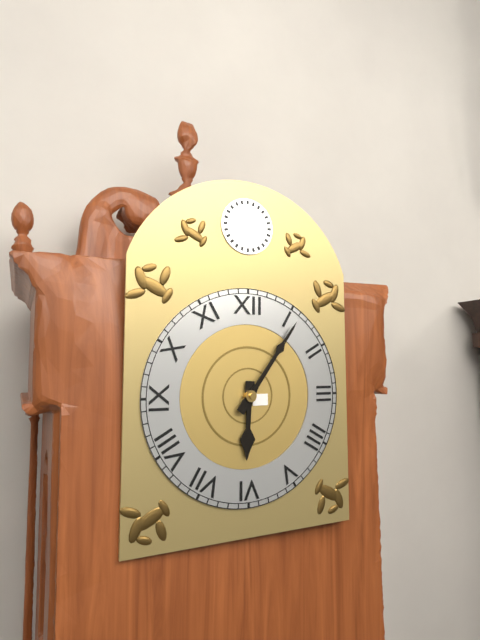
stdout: **6:06**
